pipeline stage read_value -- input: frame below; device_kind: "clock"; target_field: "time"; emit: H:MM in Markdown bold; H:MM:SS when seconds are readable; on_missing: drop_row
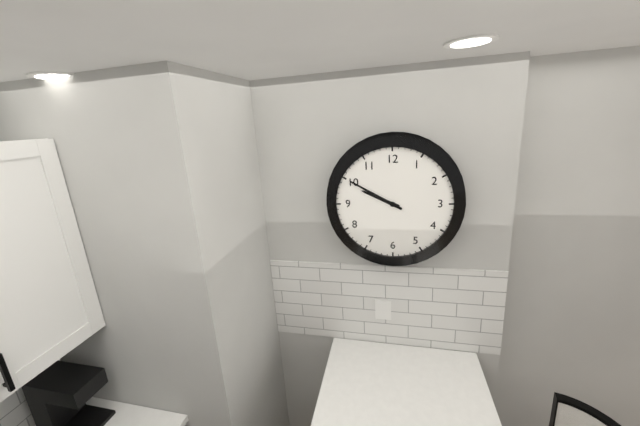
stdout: **9:50**
